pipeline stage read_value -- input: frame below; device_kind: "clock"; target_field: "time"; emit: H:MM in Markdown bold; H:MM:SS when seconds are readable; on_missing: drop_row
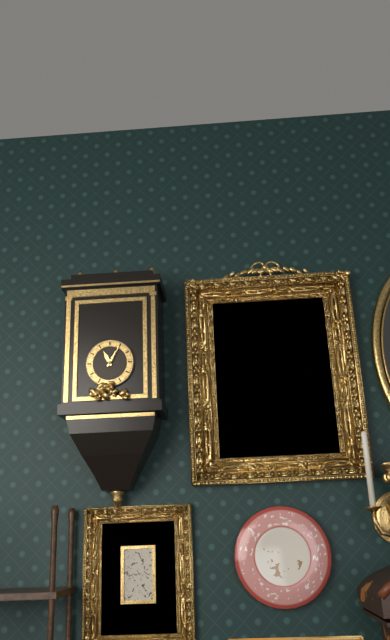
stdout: **11:05**
